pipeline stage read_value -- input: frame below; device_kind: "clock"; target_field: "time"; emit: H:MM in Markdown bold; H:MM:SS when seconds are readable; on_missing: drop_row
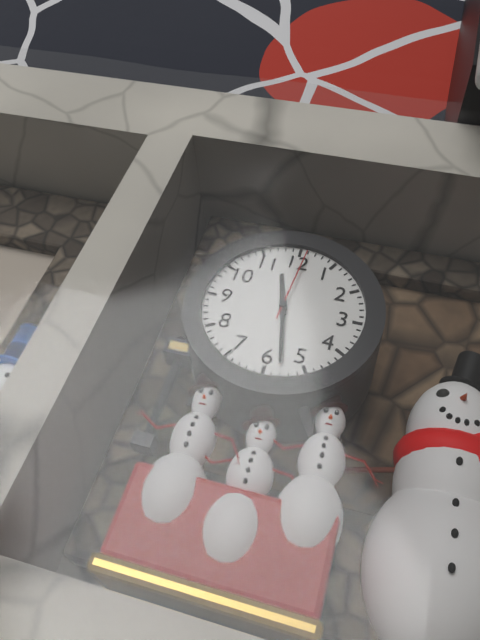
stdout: **11:28:01**
